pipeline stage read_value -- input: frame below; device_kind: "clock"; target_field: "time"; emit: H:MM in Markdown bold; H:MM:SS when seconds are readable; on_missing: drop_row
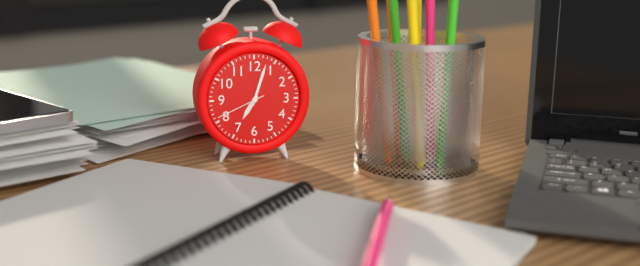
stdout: **7:03:41**
